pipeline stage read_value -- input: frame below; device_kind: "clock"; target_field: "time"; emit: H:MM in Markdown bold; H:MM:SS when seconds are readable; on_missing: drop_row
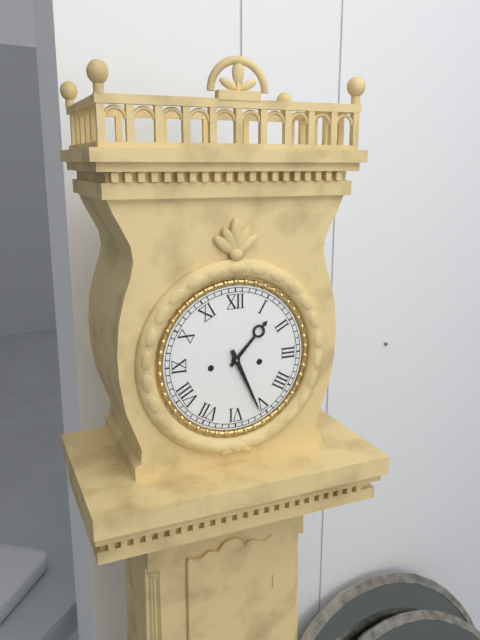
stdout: **1:26**
